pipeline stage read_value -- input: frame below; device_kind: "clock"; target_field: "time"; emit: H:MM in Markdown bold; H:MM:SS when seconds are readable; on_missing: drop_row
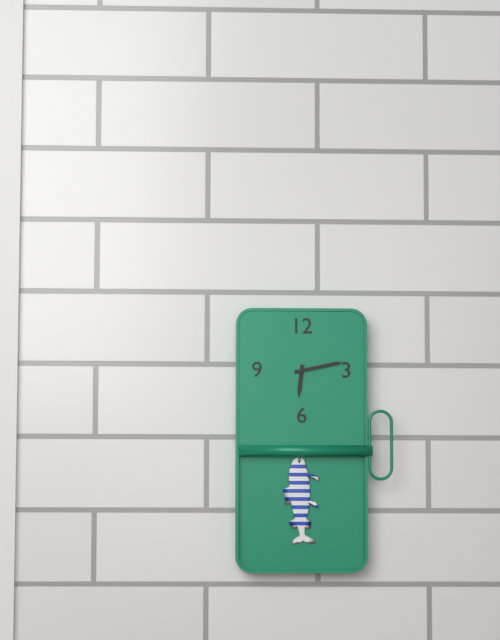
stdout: **6:13**
